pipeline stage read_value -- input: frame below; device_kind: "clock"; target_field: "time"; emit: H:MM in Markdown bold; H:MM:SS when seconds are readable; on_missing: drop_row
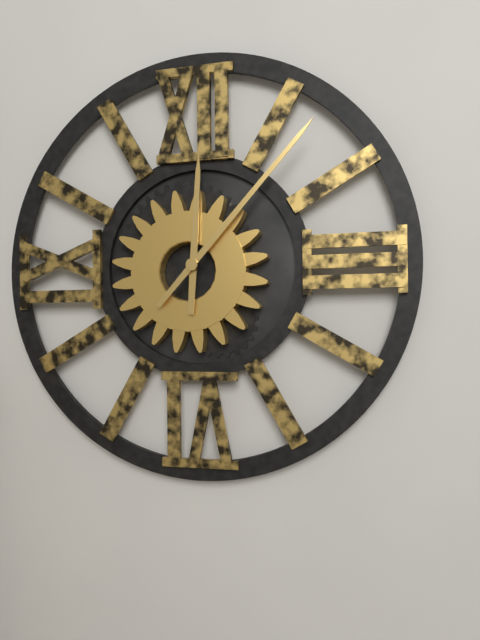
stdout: **12:07**
